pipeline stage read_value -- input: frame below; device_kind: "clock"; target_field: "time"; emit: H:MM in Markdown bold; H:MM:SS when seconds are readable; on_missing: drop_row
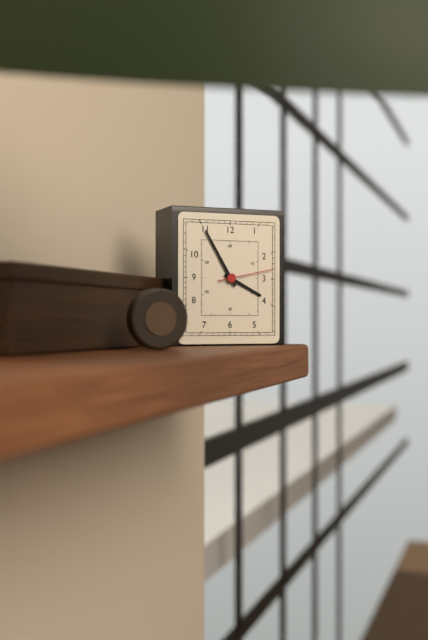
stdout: **3:55:13**
